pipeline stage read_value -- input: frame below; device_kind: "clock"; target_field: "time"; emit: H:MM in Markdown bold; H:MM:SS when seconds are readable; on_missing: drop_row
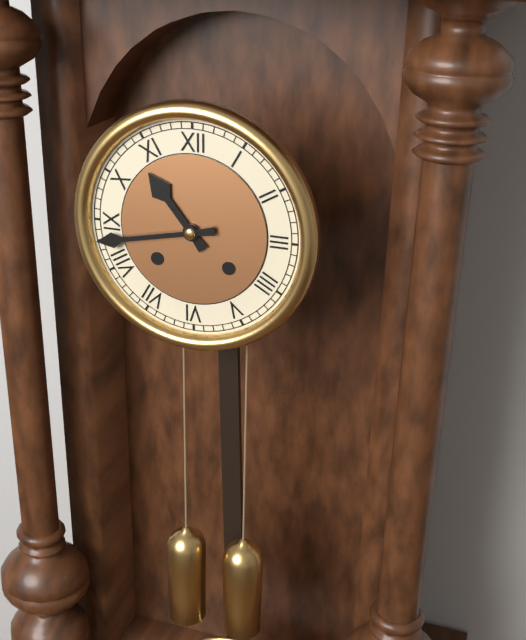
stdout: **10:43**
